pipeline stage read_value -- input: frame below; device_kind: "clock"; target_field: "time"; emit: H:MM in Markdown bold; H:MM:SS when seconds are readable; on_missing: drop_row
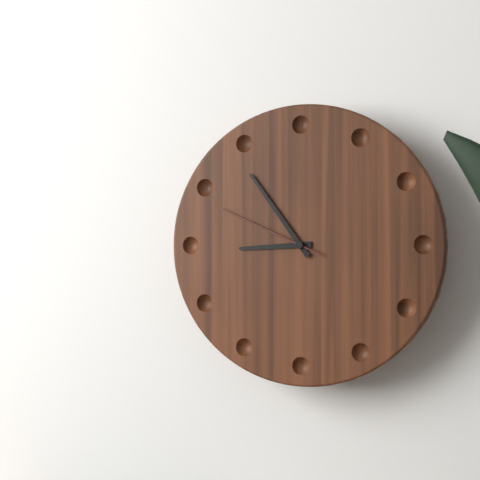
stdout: **8:54:49**
